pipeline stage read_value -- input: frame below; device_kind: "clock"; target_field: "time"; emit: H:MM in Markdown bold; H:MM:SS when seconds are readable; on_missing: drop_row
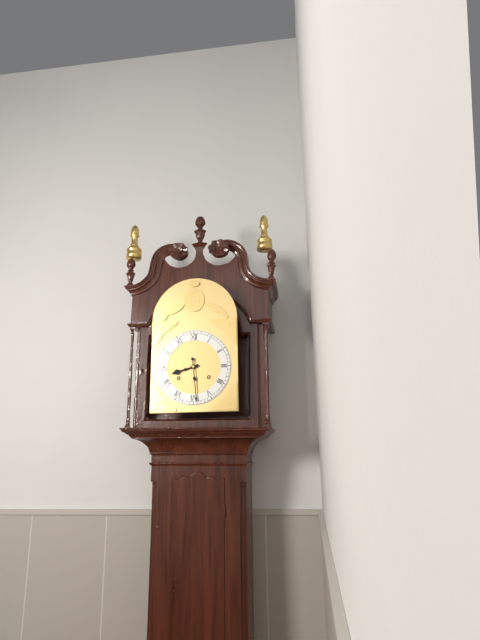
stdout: **8:29**
